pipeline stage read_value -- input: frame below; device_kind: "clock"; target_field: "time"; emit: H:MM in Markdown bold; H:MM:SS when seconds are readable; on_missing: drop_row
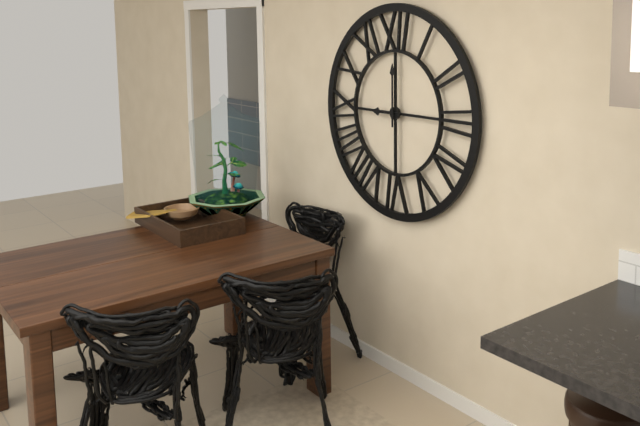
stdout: **9:00**
